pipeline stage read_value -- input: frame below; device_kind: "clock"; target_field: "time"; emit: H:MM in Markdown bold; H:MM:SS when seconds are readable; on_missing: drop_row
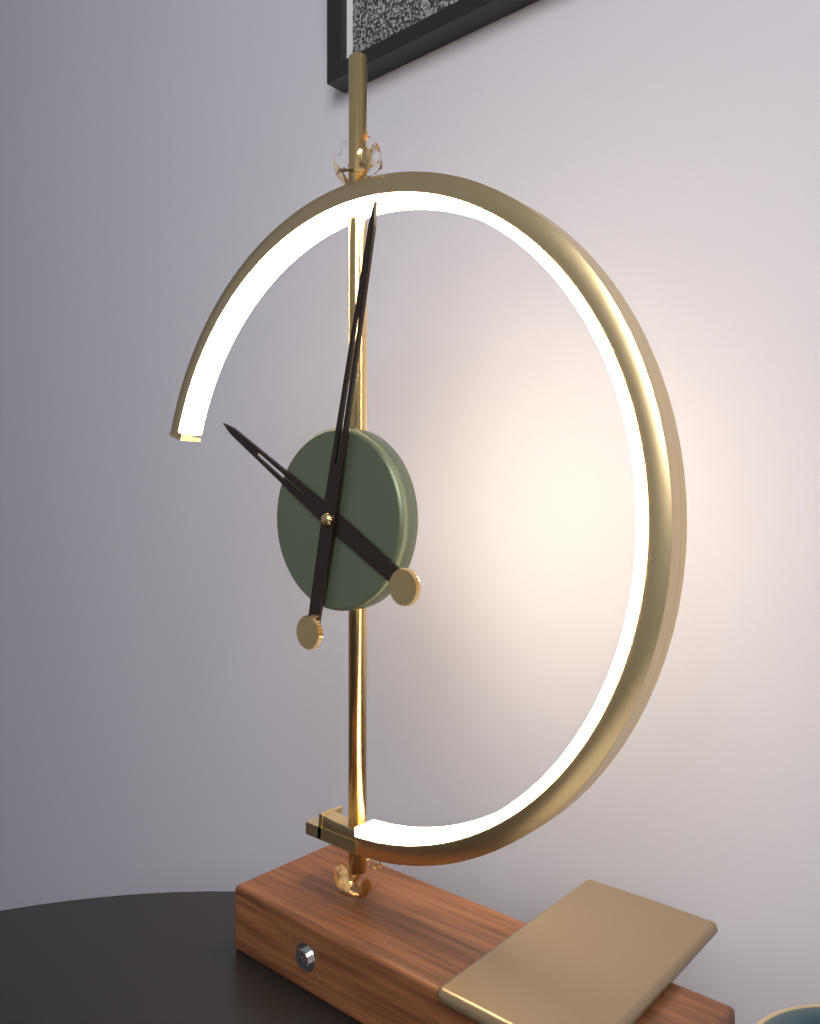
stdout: **10:02**
